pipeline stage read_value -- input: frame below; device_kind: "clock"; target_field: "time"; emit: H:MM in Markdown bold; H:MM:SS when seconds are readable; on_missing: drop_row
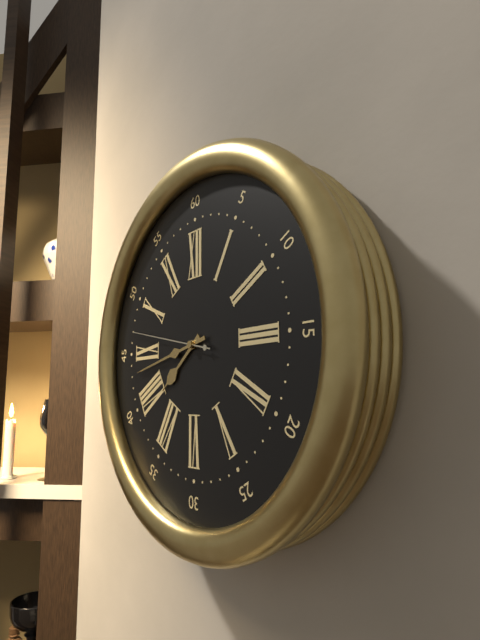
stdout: **7:43:47**
